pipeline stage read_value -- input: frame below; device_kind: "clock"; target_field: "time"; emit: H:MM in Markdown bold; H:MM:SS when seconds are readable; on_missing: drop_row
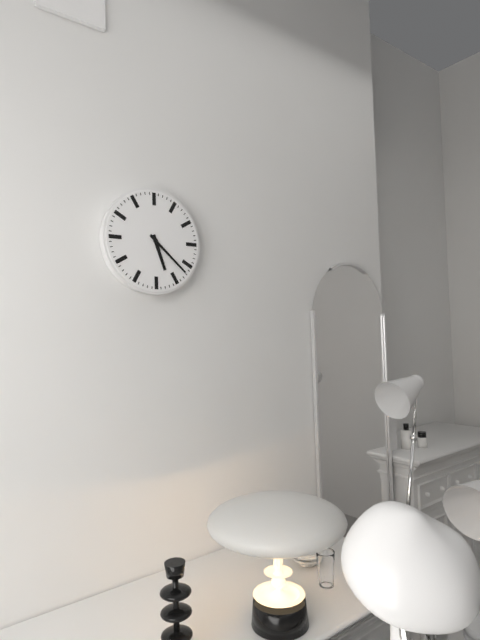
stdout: **5:22**
